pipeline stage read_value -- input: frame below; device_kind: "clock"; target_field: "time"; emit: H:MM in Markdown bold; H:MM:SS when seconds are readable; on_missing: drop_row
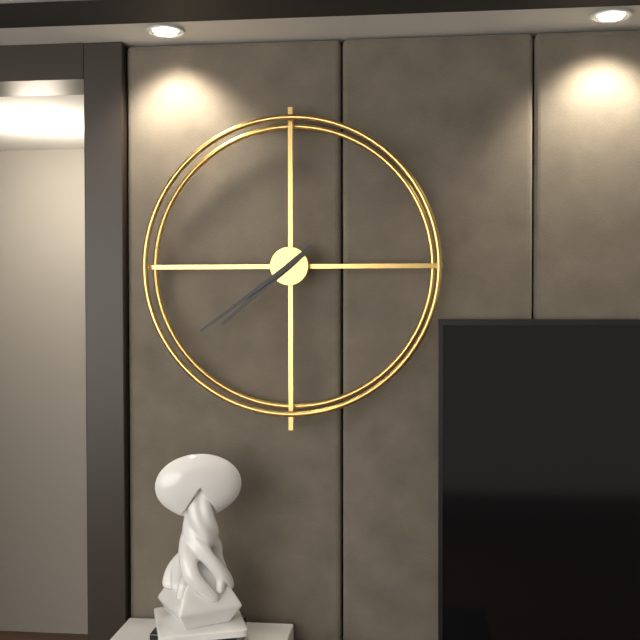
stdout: **7:39**
